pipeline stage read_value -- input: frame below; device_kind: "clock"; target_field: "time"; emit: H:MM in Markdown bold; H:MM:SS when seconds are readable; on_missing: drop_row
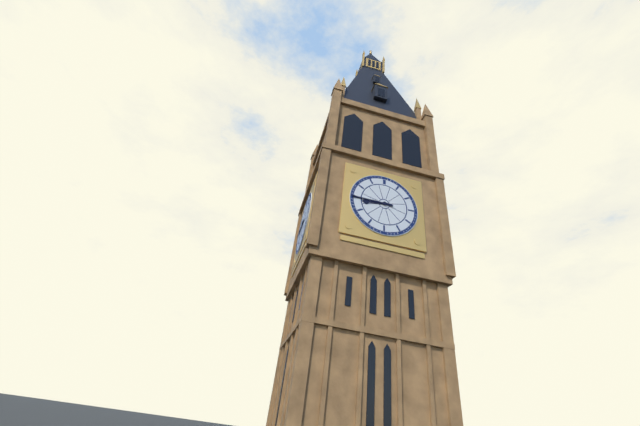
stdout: **8:45**
